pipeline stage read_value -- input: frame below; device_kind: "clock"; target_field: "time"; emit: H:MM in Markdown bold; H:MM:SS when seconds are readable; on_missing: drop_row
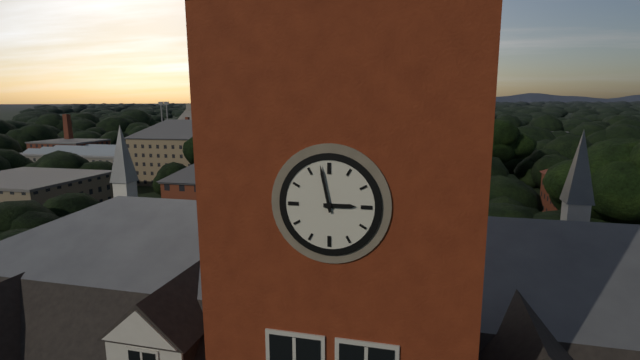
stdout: **2:58**
